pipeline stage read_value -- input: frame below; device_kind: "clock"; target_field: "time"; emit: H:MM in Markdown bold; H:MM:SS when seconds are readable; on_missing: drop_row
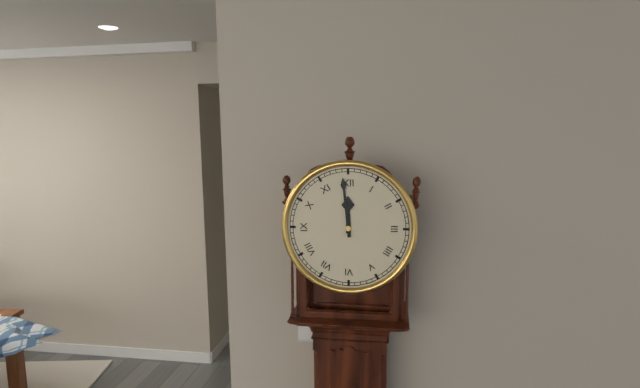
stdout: **11:59**
